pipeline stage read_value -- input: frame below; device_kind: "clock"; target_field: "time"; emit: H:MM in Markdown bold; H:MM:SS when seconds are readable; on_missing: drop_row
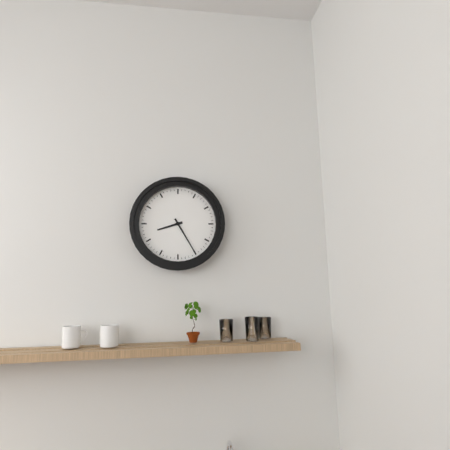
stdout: **8:25**
